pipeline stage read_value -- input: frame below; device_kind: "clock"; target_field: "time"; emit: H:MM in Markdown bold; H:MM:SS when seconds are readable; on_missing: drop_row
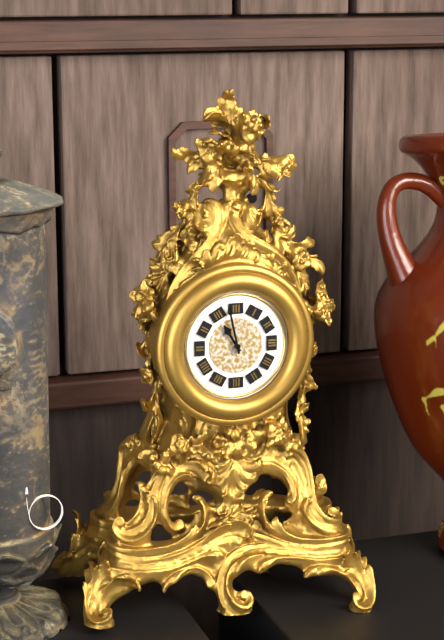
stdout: **10:58**
